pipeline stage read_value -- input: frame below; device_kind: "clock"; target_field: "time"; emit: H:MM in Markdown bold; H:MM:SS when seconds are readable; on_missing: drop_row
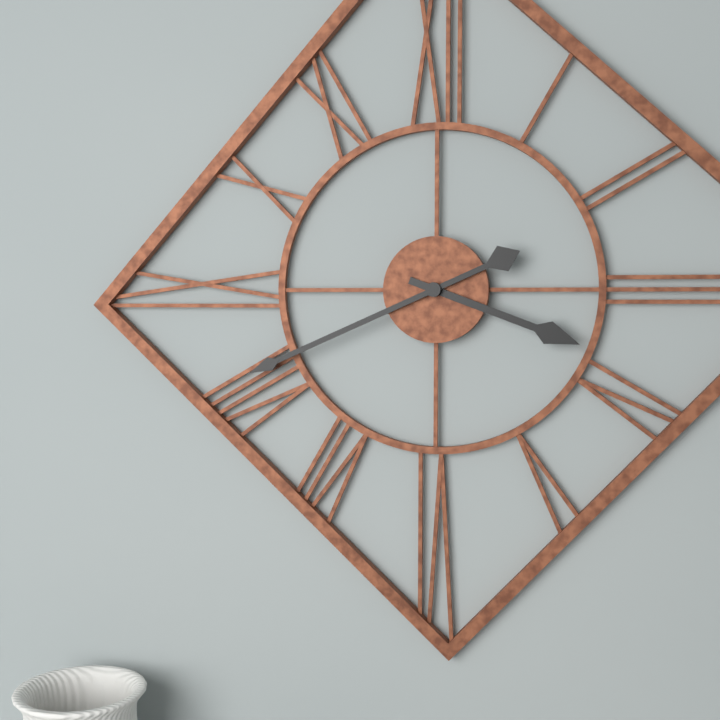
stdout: **3:41**
